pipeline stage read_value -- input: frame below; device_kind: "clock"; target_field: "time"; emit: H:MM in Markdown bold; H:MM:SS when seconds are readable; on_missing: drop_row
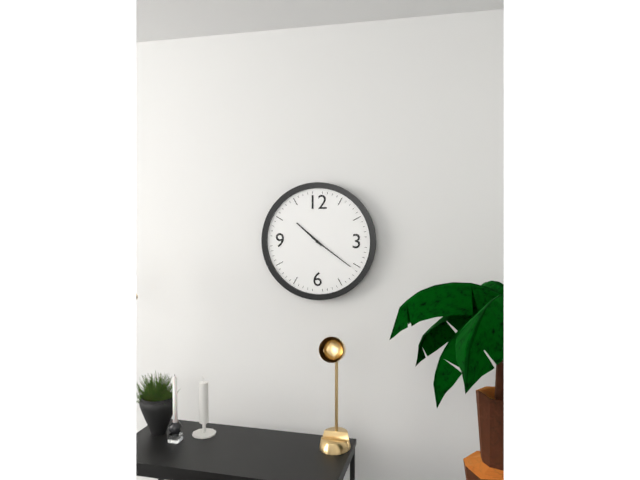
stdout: **10:21**
